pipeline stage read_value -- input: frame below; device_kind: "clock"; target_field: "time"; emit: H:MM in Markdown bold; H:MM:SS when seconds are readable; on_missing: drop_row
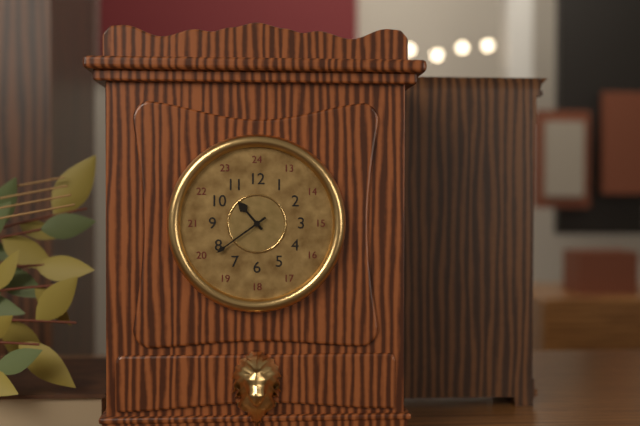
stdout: **10:39**
